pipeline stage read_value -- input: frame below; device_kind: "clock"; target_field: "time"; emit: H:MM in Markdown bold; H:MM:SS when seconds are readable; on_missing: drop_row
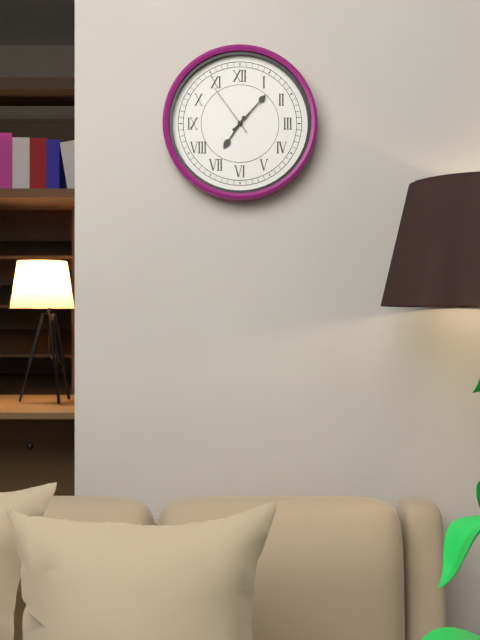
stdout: **7:07:54**
